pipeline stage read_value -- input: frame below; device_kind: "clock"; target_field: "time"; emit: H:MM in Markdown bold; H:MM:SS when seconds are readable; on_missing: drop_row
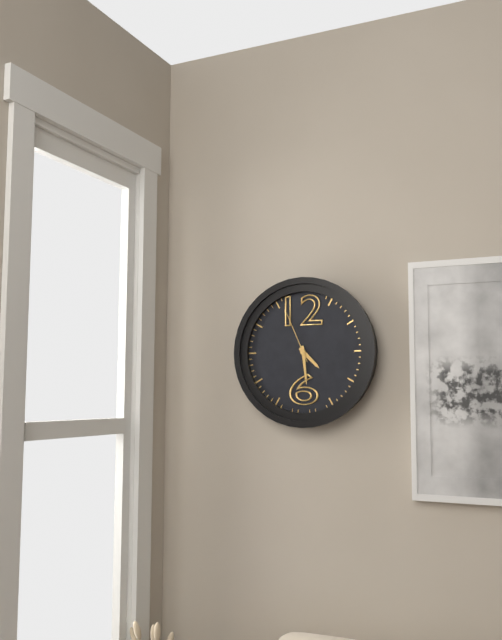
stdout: **4:29:56**
